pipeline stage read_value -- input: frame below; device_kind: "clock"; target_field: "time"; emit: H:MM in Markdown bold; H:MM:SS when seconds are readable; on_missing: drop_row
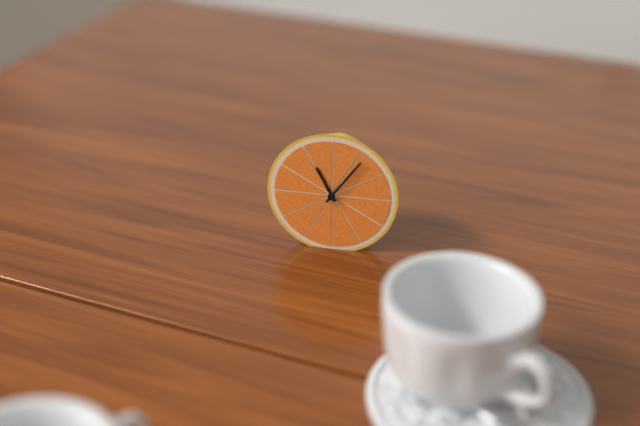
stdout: **11:06**
